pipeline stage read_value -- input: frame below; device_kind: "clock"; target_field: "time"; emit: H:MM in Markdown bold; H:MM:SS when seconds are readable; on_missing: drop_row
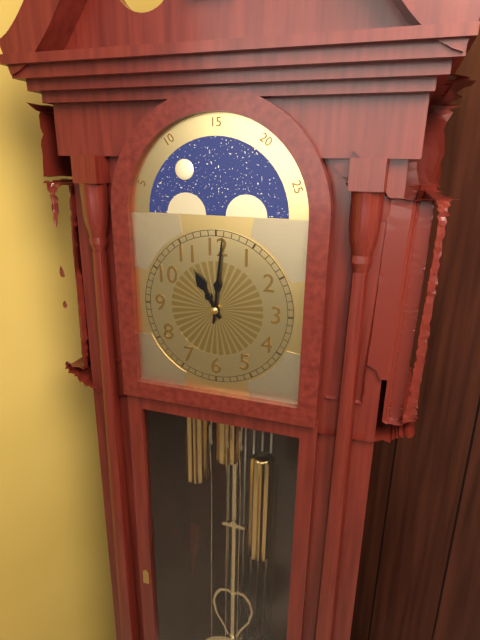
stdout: **11:01**
